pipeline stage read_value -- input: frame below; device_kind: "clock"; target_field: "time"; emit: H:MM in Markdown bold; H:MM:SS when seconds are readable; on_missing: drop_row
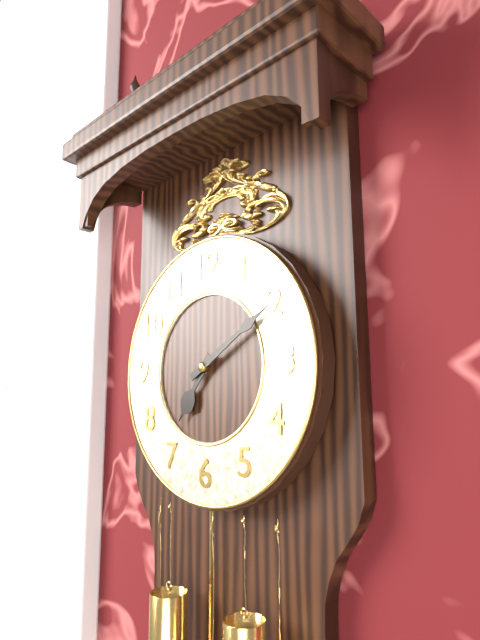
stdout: **7:10**
